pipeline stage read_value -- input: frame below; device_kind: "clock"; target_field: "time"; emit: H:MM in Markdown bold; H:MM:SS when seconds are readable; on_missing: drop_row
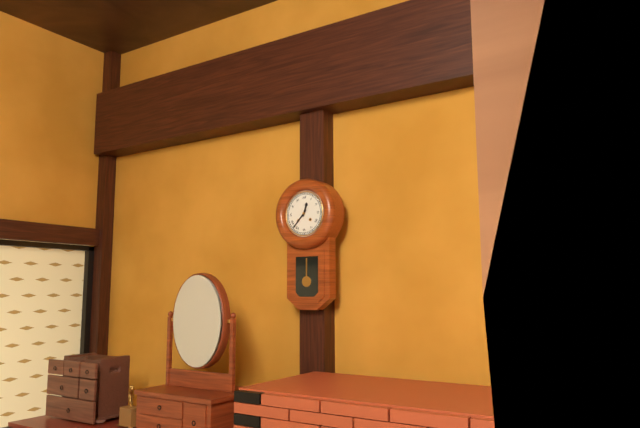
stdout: **12:37**
